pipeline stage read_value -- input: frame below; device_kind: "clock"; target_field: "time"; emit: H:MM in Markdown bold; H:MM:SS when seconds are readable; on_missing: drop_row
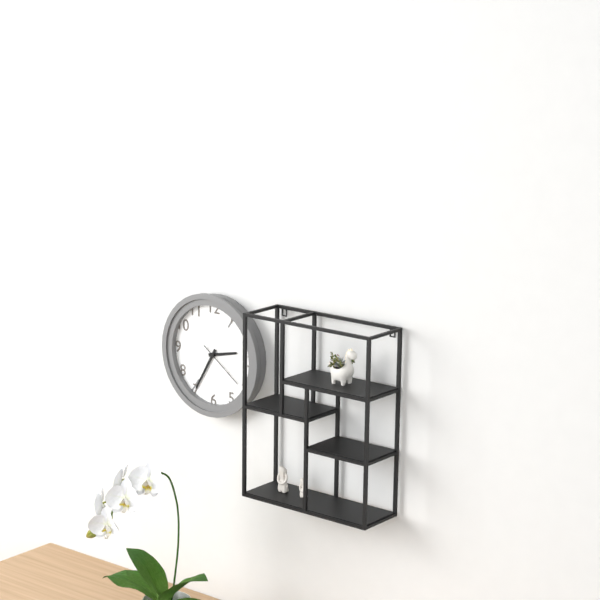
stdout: **2:35**
